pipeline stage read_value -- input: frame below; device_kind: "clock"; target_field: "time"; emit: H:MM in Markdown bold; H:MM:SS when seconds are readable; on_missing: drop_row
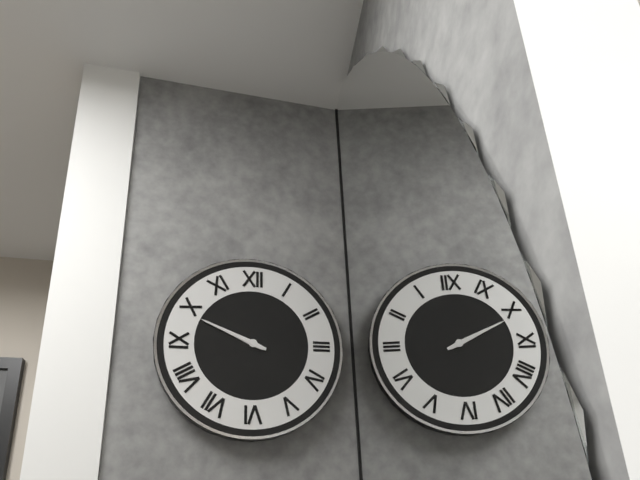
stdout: **9:49**
